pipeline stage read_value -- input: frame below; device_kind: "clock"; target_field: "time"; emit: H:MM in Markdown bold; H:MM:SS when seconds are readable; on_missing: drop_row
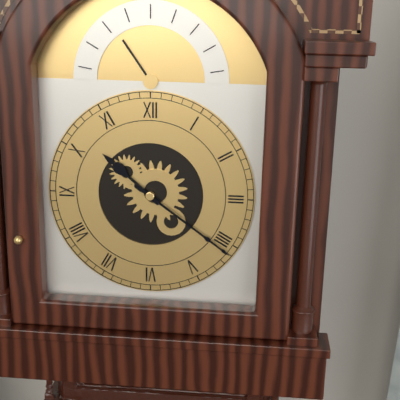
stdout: **10:21**
